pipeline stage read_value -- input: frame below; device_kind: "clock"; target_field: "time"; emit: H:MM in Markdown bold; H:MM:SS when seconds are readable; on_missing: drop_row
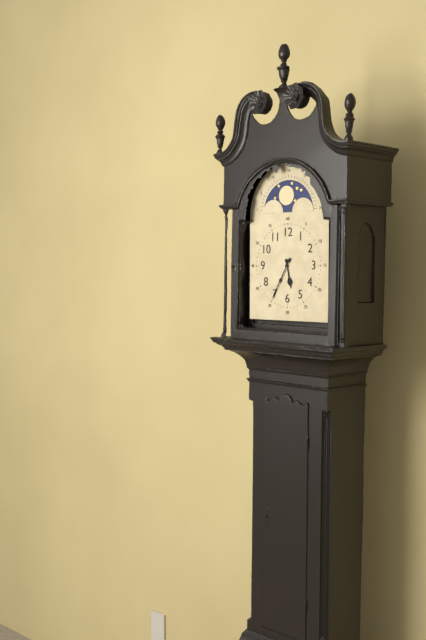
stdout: **5:35**
